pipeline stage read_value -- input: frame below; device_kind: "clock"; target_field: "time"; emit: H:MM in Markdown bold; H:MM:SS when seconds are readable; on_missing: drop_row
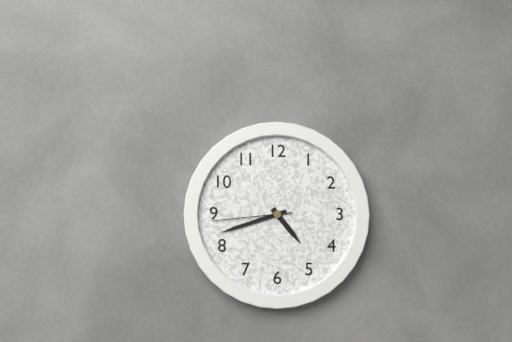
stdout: **4:42:44**
